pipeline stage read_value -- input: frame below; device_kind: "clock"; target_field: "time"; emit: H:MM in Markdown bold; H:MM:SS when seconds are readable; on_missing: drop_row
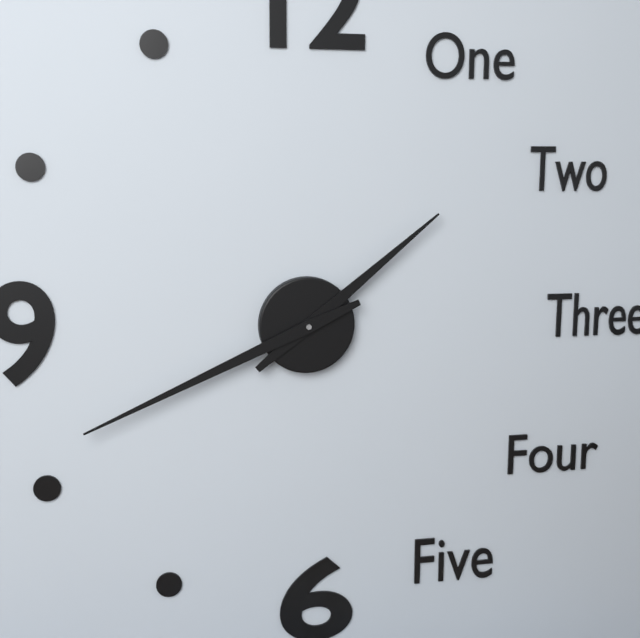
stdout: **1:41**
